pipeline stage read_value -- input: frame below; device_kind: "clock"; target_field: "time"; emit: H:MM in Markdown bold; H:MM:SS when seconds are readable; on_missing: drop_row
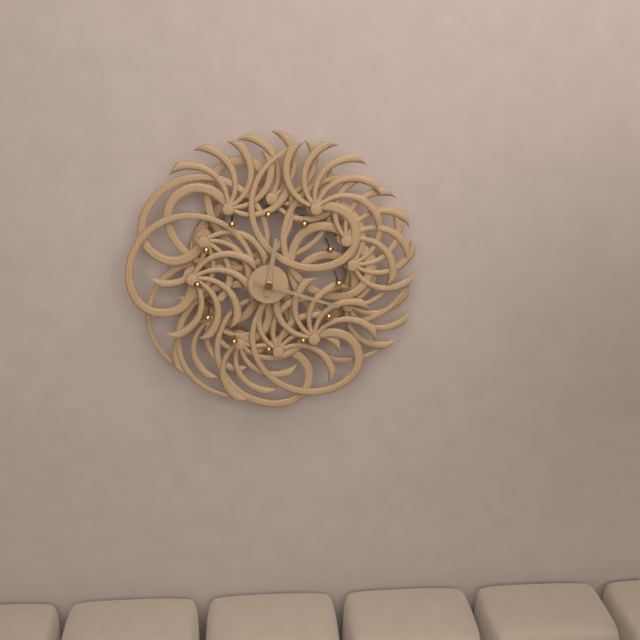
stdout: **12:18**
